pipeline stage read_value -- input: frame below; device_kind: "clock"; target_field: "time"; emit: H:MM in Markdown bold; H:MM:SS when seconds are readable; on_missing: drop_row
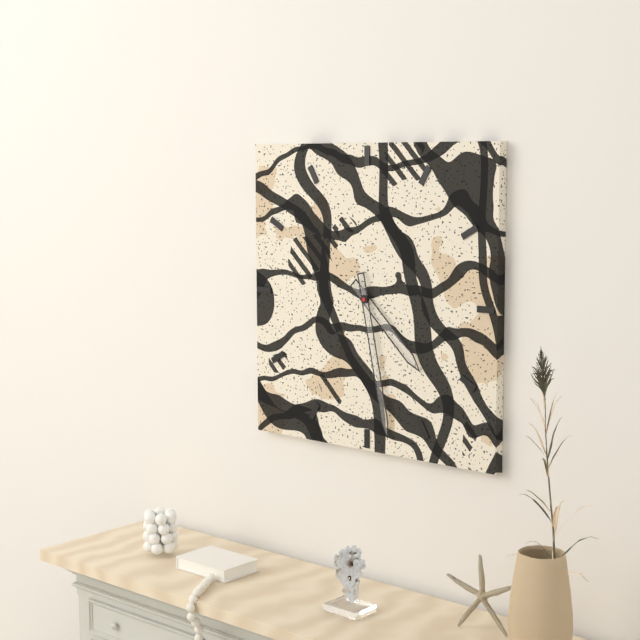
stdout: **4:28**
